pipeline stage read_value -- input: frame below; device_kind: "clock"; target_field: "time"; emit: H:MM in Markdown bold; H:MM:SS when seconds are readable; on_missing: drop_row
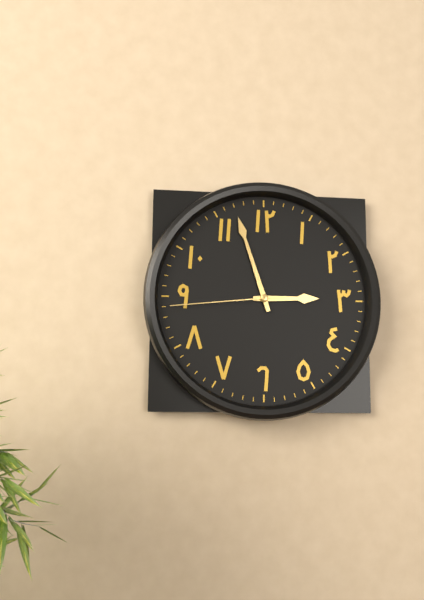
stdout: **2:57:44**
